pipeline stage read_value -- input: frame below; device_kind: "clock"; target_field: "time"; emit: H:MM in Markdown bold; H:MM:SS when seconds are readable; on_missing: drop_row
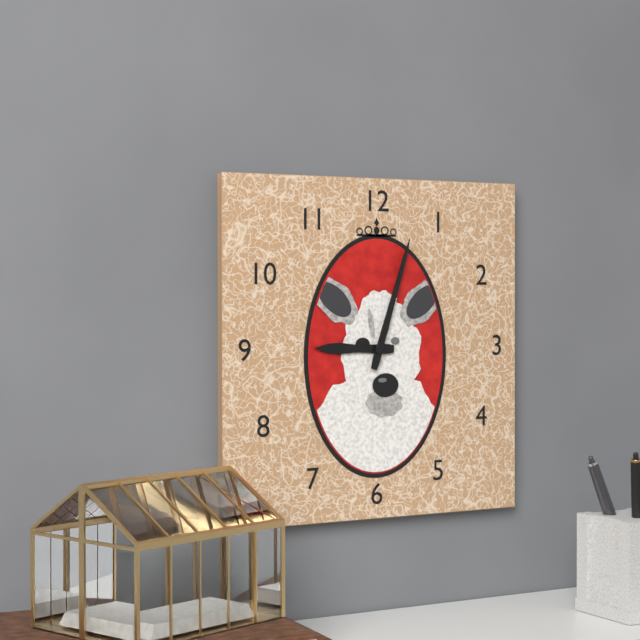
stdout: **9:03**
